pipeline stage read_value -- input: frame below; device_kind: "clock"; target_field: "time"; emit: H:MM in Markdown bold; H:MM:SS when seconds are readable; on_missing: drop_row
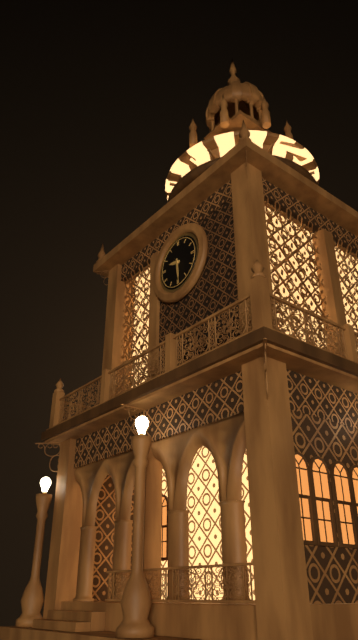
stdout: **9:29**
